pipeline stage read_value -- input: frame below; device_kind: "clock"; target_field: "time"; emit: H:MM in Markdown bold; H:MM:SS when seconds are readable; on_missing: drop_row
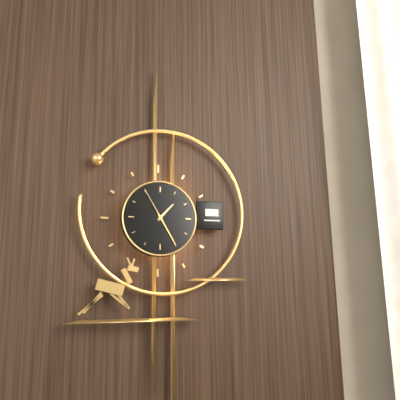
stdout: **1:25**
